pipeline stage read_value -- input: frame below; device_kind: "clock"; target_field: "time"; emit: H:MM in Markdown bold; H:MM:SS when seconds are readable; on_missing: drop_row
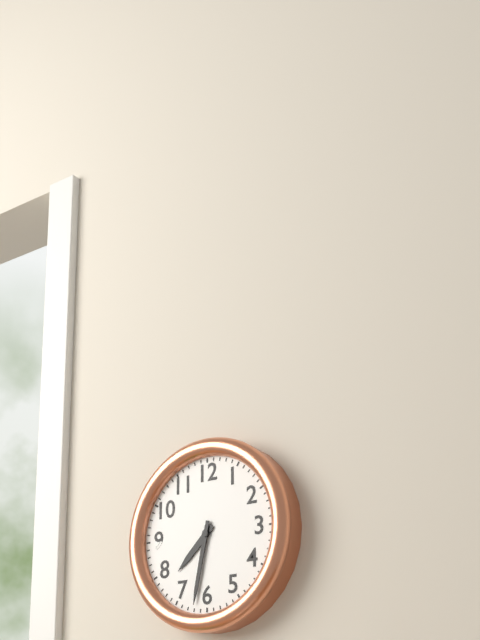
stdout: **7:32**
